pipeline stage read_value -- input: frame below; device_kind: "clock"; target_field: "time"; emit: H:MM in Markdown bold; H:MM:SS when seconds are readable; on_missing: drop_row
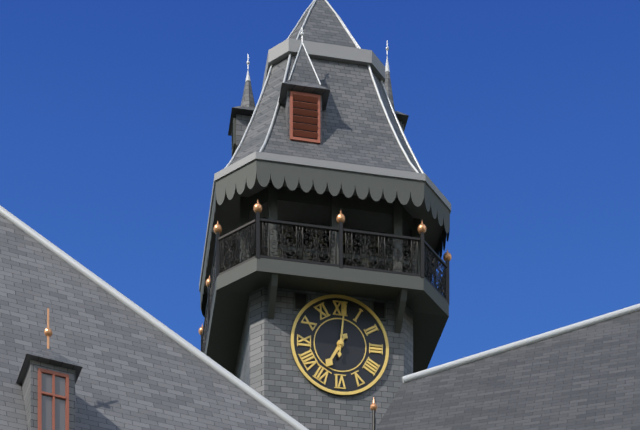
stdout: **7:01**
